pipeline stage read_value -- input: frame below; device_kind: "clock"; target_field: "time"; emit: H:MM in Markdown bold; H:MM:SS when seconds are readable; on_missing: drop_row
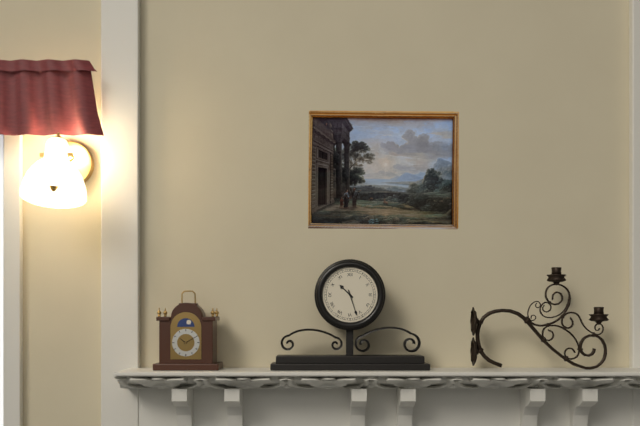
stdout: **10:27**
